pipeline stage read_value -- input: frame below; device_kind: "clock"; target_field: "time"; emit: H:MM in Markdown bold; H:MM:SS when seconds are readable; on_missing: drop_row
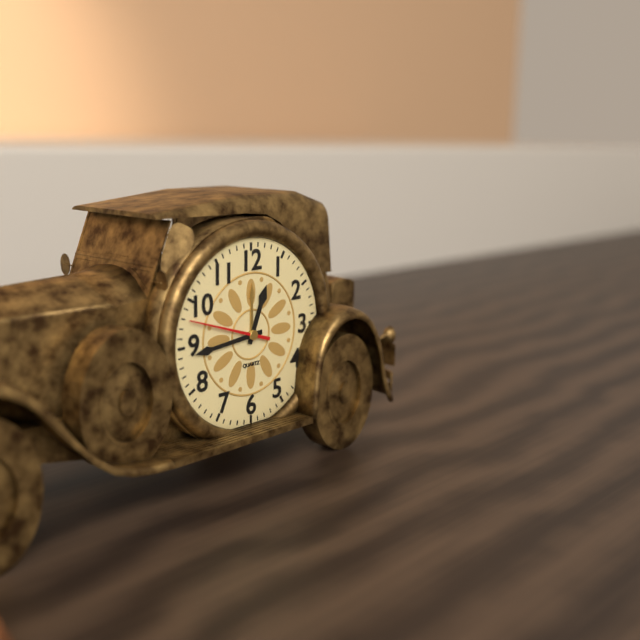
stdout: **12:44:48**
